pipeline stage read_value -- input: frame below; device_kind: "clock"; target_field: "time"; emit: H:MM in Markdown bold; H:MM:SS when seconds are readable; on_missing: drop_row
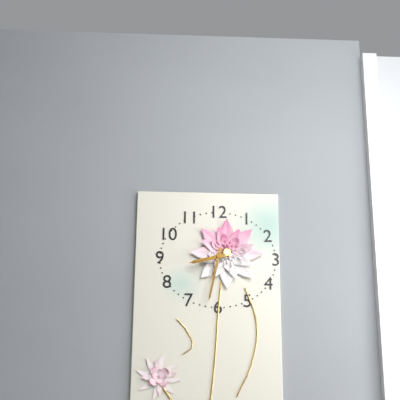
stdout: **8:32**
